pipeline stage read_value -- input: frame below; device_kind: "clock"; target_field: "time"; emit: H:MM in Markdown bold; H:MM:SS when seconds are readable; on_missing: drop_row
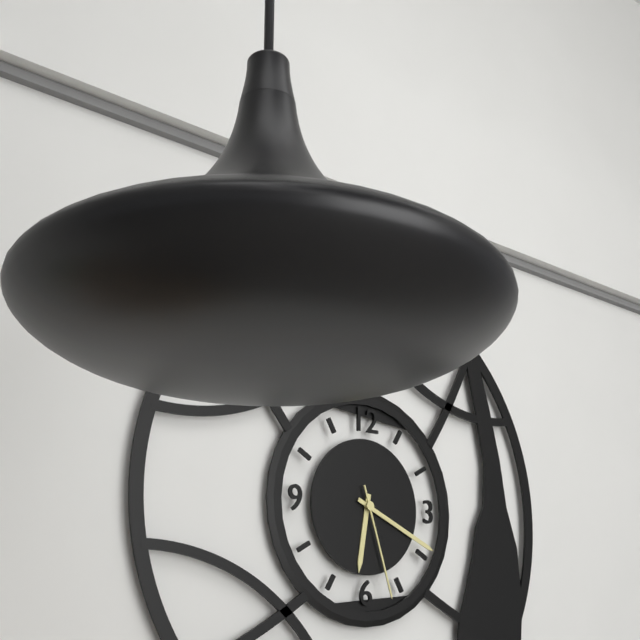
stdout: **6:19:27**
